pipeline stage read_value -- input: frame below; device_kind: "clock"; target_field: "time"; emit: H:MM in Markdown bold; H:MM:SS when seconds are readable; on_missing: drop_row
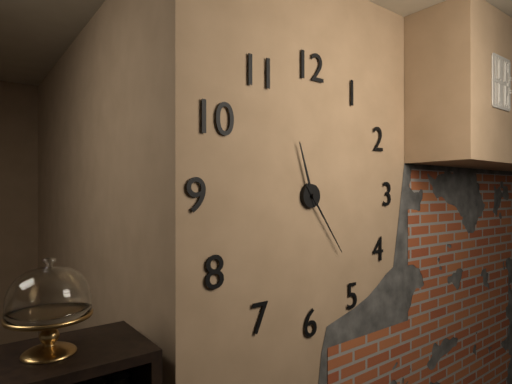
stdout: **11:24**
